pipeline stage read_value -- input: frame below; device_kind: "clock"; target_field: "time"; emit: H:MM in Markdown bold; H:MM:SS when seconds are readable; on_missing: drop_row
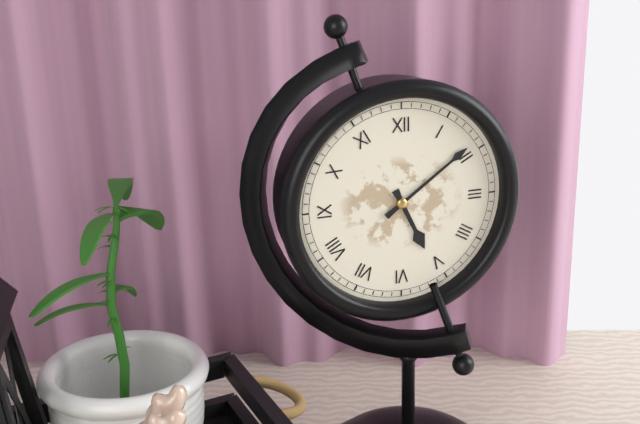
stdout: **5:09**
